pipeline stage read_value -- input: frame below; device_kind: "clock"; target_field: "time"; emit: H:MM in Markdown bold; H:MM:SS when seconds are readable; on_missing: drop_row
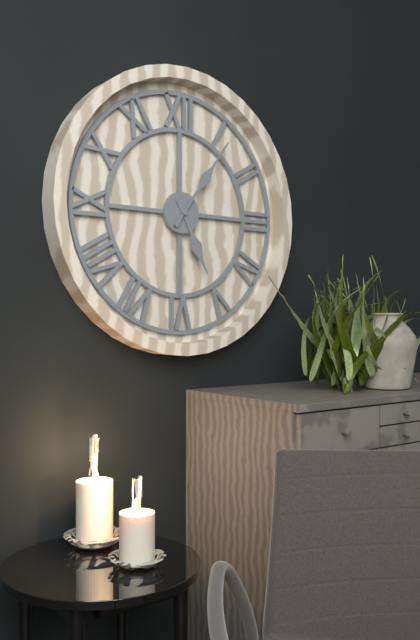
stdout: **5:06**
